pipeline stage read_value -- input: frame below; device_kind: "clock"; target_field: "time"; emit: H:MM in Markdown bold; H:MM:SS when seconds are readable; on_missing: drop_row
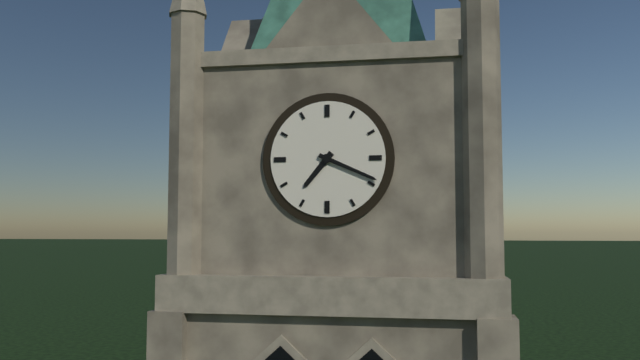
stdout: **7:19**
